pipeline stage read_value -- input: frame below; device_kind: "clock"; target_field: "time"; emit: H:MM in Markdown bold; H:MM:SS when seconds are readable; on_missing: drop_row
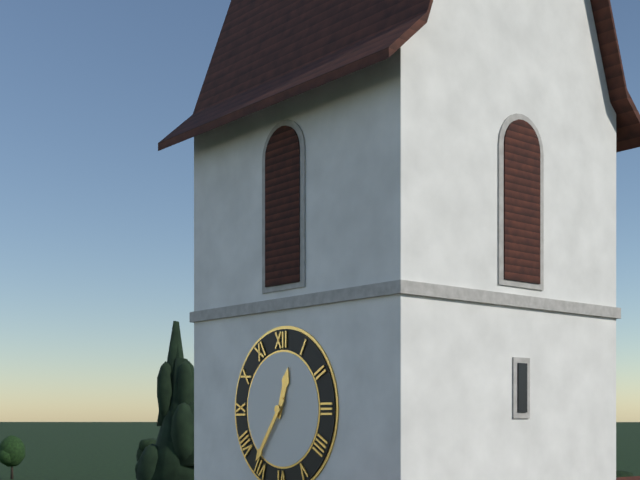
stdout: **12:36**
